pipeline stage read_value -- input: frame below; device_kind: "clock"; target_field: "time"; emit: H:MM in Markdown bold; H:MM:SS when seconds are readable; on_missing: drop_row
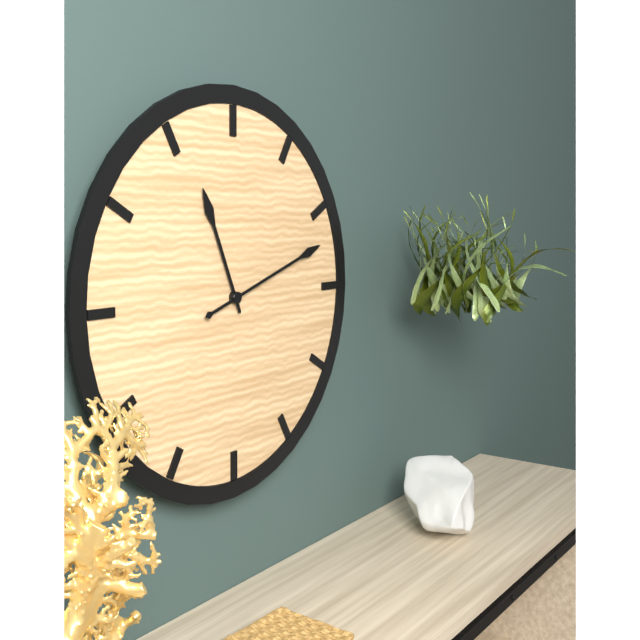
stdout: **11:12**
